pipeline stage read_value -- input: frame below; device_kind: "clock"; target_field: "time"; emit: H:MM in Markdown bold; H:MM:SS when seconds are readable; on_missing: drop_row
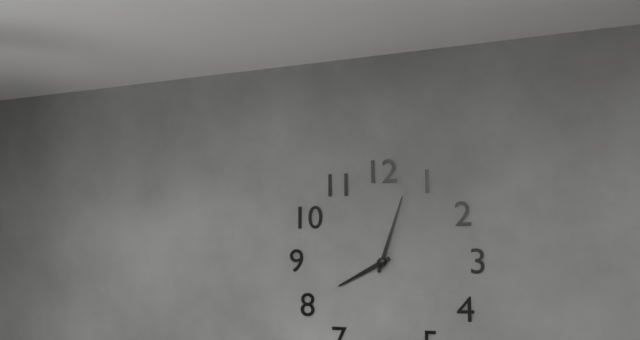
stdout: **8:03**
